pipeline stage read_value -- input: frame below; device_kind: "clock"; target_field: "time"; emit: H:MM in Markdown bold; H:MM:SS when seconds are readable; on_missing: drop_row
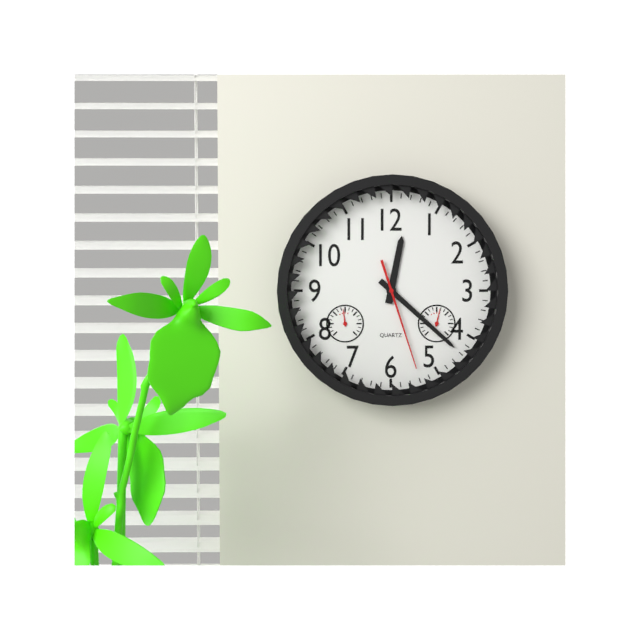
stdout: **12:22:27**
